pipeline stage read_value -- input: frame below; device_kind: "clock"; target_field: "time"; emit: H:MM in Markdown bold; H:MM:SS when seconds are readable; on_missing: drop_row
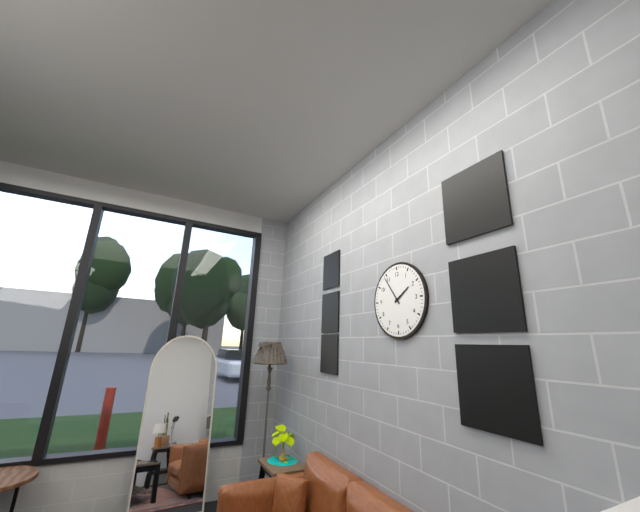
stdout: **1:54**
